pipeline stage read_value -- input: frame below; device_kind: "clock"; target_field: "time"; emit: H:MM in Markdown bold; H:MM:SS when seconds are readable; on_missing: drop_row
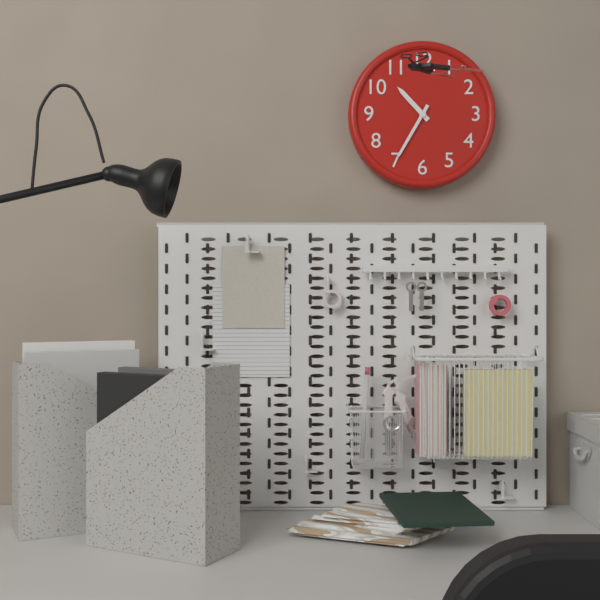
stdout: **10:35**
